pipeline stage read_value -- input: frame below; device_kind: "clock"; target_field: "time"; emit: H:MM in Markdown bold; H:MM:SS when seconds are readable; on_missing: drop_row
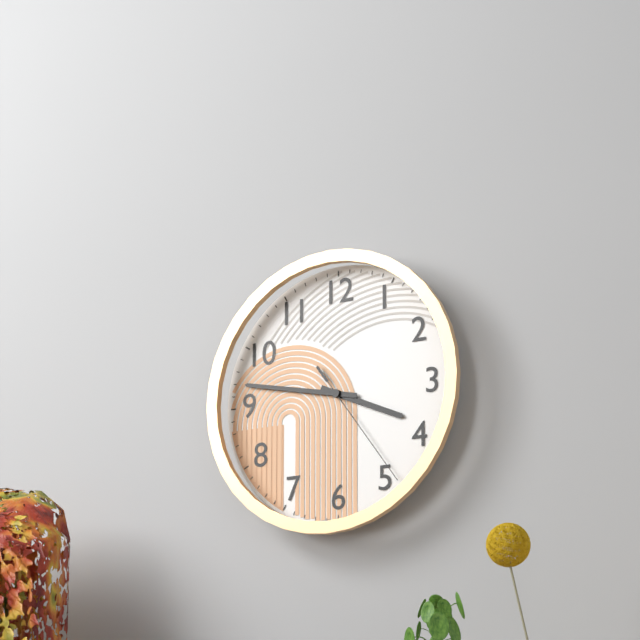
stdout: **3:47:24**
